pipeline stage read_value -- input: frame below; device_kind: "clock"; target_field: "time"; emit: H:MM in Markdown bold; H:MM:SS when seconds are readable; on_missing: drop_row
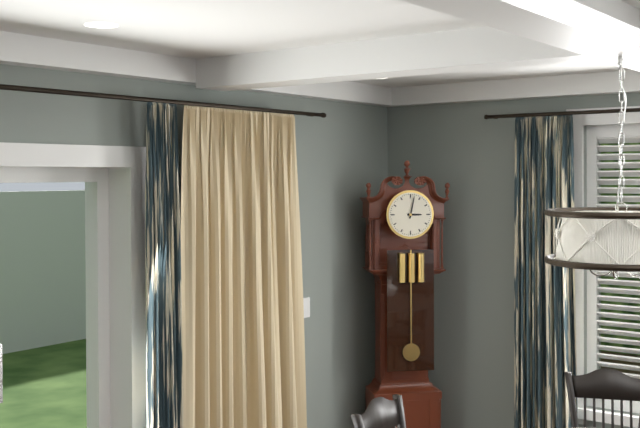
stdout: **3:02**
